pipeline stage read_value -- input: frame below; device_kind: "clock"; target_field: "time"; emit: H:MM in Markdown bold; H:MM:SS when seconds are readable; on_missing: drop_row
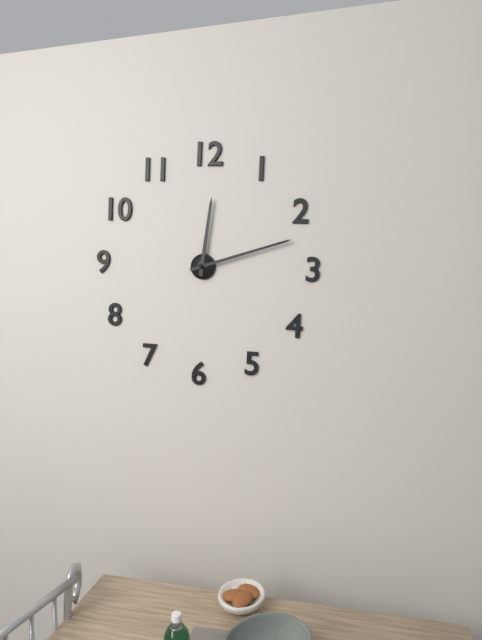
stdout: **12:12**
